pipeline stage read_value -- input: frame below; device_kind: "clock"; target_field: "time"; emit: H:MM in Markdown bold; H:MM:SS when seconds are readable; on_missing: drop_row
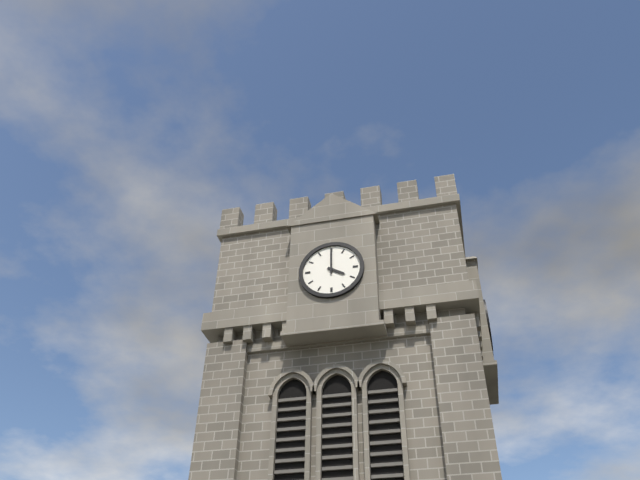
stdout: **4:00**
